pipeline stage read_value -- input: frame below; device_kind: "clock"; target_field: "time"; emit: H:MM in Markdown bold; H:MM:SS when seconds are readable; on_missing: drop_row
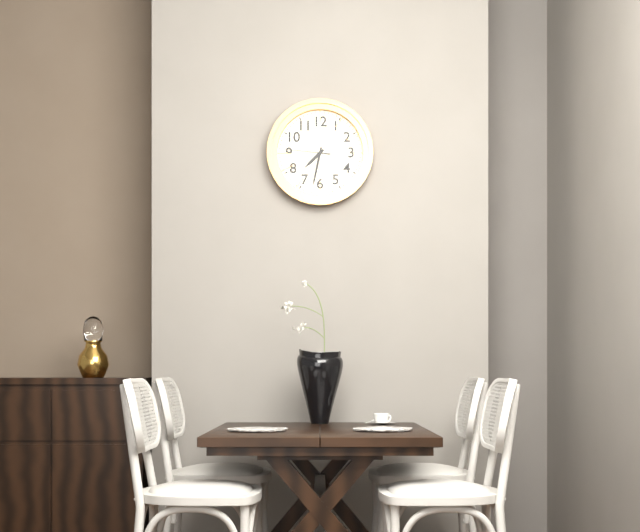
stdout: **7:32**
